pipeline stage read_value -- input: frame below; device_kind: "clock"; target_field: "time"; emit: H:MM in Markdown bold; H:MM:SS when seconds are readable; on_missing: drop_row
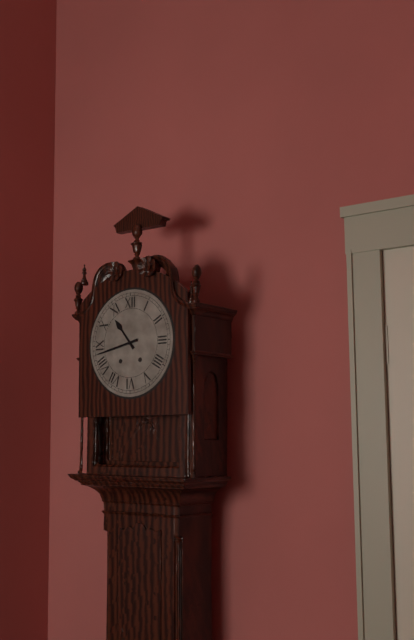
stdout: **10:43**
